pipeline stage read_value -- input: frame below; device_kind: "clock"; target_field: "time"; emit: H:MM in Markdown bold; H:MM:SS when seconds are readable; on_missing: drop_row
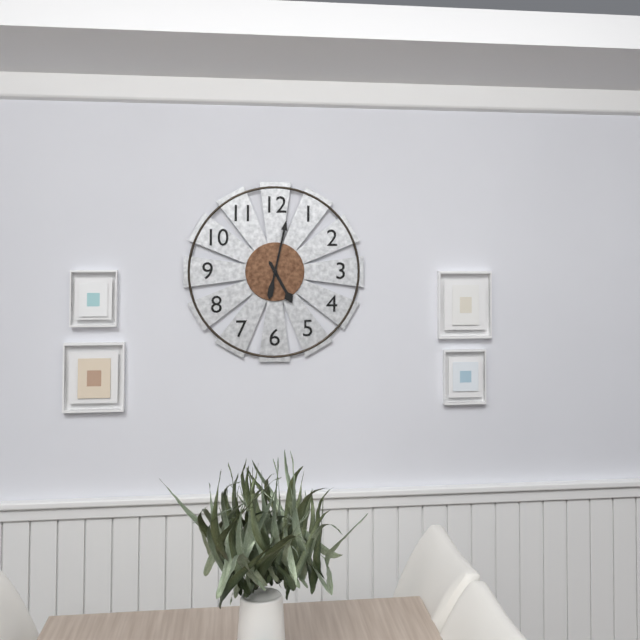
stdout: **5:02**
